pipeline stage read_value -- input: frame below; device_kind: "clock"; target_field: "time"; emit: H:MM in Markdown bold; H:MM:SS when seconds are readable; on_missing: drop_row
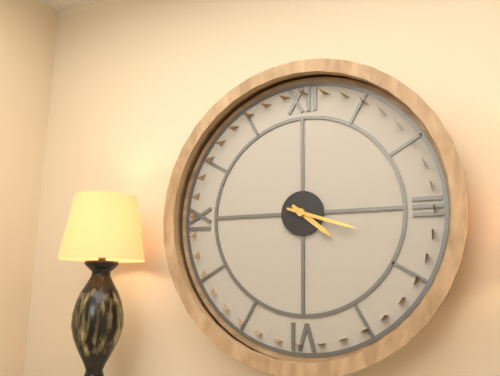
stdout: **4:18**
